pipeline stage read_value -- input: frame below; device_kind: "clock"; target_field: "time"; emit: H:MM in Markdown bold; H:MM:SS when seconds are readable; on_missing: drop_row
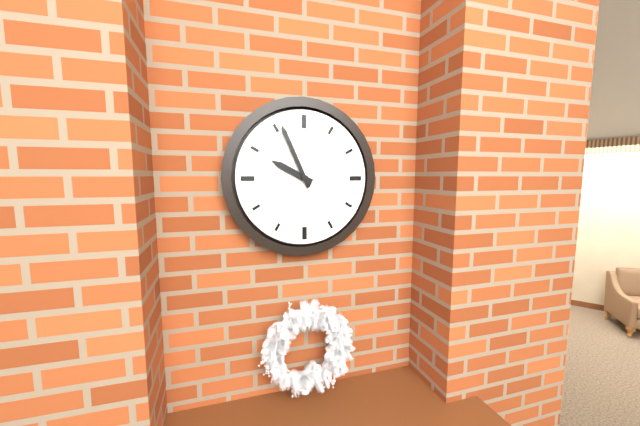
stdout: **9:56**
